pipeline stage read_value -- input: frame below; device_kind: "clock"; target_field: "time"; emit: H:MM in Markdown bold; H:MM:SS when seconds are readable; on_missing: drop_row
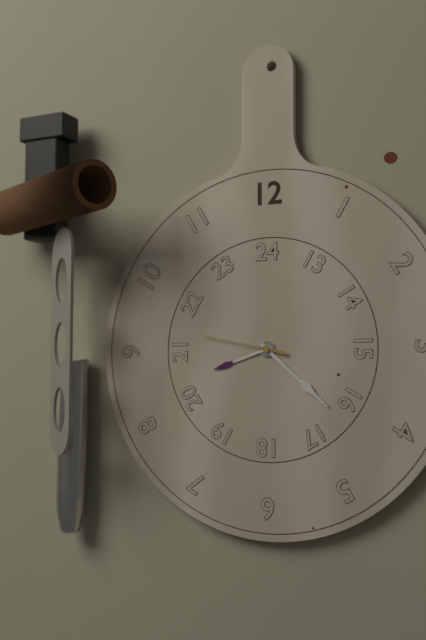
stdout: **8:22:47**
